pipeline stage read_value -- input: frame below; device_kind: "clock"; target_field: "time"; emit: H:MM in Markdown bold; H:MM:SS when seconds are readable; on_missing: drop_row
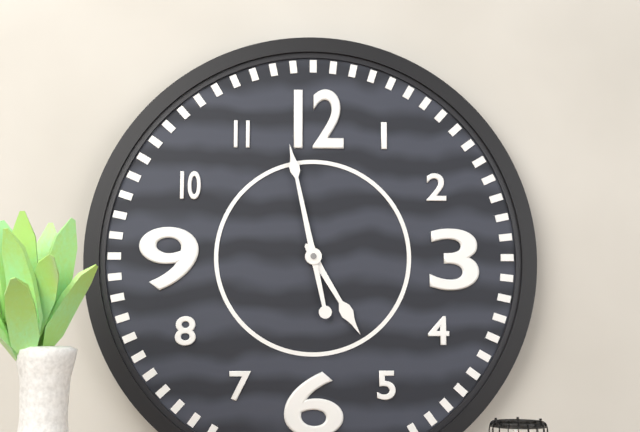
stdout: **4:58**
